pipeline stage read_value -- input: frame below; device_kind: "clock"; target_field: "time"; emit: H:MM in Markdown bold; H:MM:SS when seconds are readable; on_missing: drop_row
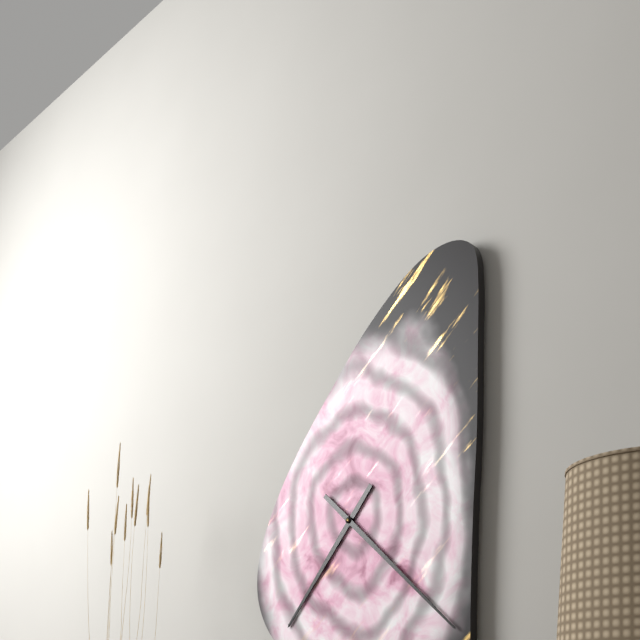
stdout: **7:22**
